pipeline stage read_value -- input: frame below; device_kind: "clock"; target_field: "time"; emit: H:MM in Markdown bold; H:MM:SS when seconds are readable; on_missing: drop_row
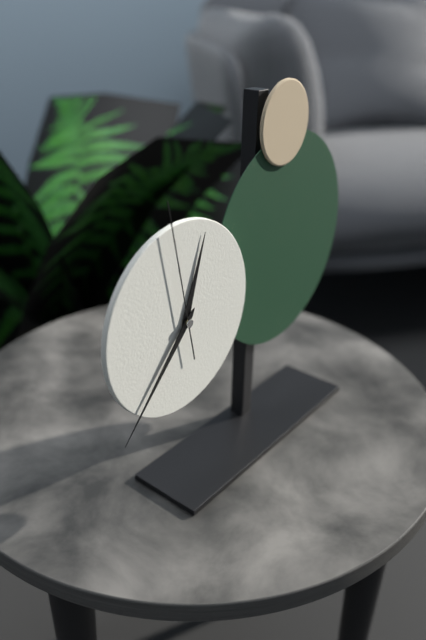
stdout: **12:37:58**
